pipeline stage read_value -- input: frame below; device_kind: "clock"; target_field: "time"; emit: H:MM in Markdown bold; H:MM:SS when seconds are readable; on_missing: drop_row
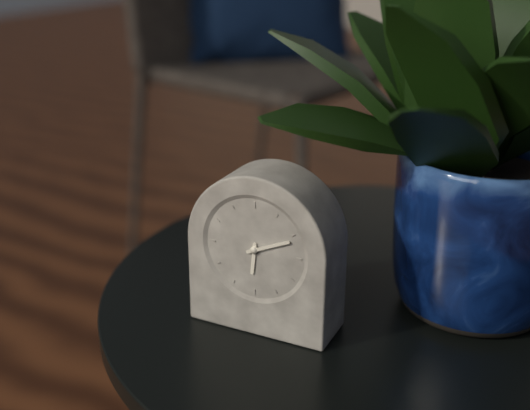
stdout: **6:11**
